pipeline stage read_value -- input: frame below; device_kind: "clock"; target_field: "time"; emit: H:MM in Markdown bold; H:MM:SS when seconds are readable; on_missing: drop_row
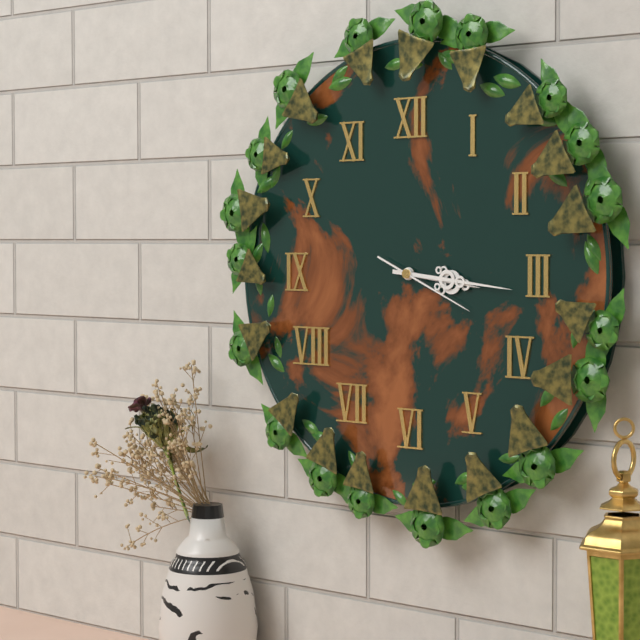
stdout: **3:16:19**
